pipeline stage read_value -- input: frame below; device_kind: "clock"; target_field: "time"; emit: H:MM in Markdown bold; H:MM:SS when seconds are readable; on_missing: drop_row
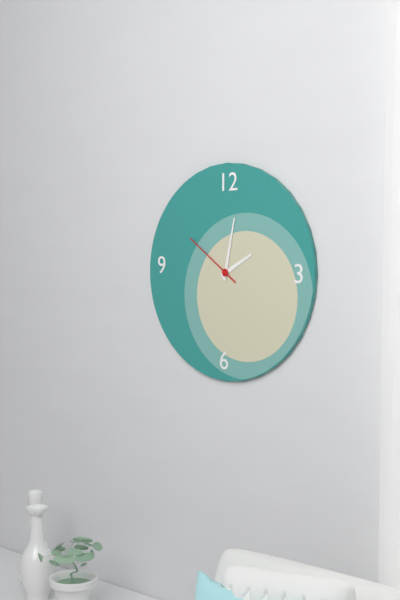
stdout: **2:02:51**
